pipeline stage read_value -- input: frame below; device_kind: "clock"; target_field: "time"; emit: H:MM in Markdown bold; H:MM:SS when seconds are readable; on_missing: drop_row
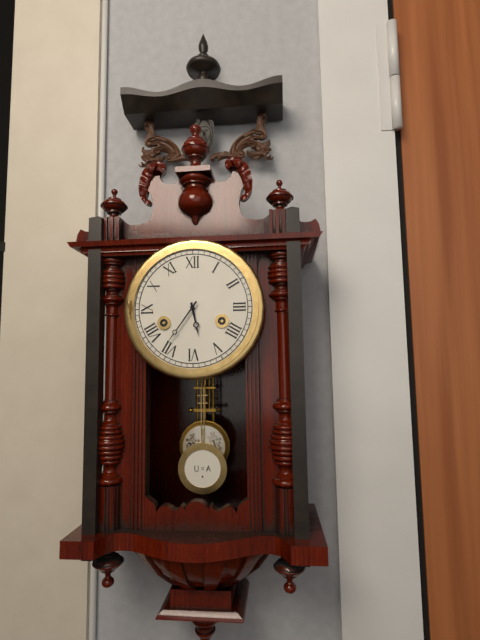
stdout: **5:36**
